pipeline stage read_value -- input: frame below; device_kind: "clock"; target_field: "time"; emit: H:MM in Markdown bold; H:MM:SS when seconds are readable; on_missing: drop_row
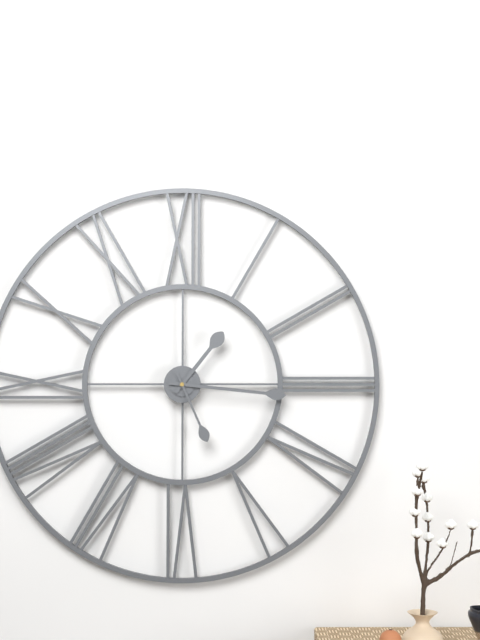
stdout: **1:16:26**
